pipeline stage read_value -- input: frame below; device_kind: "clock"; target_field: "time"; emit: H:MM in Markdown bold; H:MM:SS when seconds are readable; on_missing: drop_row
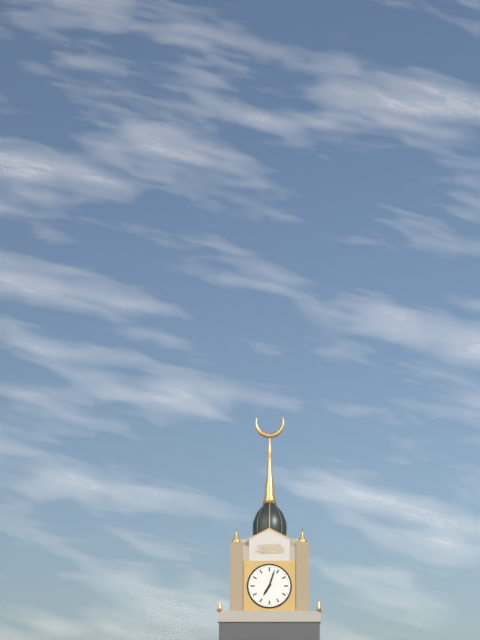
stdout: **7:03**
